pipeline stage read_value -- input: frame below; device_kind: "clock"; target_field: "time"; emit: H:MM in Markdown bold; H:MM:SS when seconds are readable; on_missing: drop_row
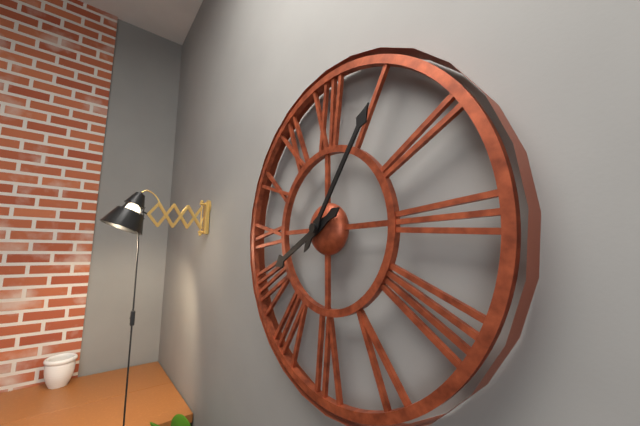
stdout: **8:06**
